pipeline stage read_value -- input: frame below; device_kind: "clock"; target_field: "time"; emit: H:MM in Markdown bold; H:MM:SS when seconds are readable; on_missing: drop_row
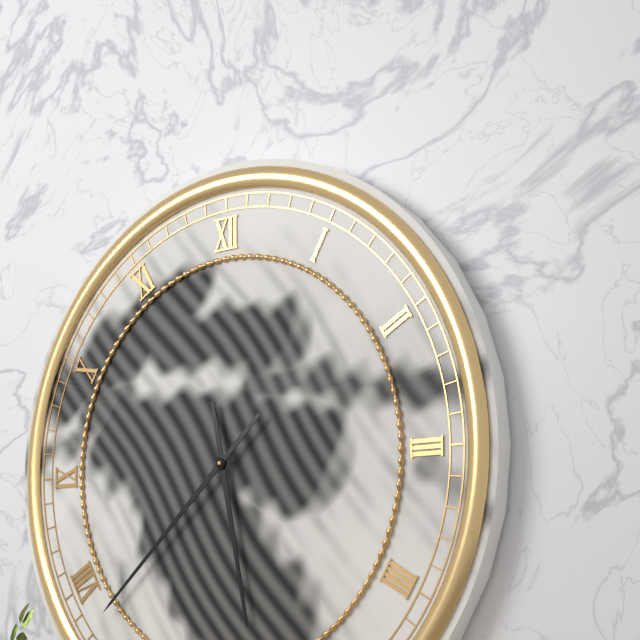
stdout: **5:38**
